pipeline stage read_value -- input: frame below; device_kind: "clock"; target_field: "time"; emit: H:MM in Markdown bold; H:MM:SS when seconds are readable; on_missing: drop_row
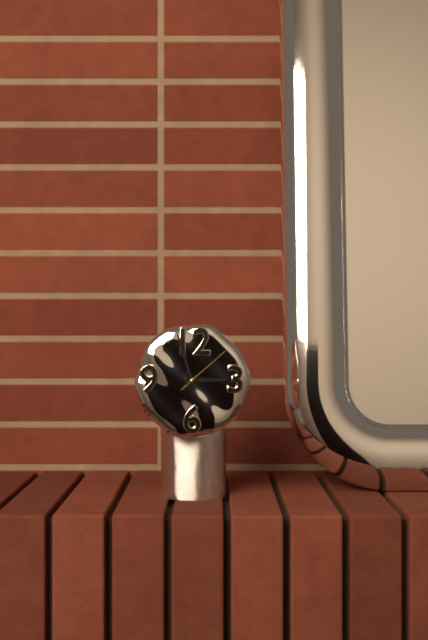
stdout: **2:57:08**
